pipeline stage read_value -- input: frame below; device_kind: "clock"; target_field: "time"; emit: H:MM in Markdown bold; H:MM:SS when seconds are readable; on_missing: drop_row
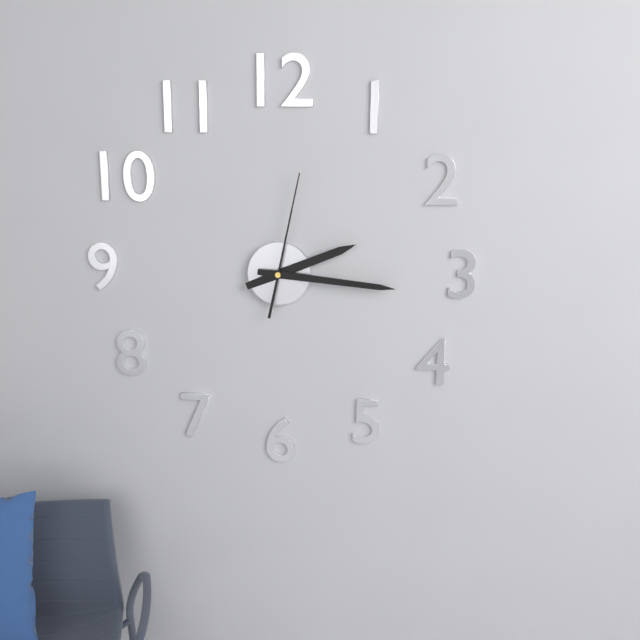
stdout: **2:16:02**
